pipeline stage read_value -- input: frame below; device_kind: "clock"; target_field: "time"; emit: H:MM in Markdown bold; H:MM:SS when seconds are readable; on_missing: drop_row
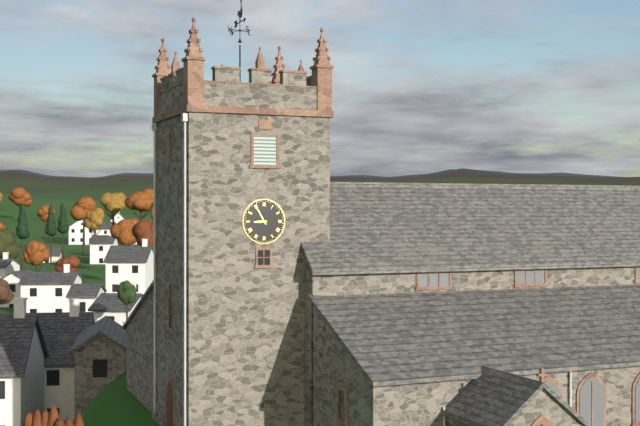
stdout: **8:55**
